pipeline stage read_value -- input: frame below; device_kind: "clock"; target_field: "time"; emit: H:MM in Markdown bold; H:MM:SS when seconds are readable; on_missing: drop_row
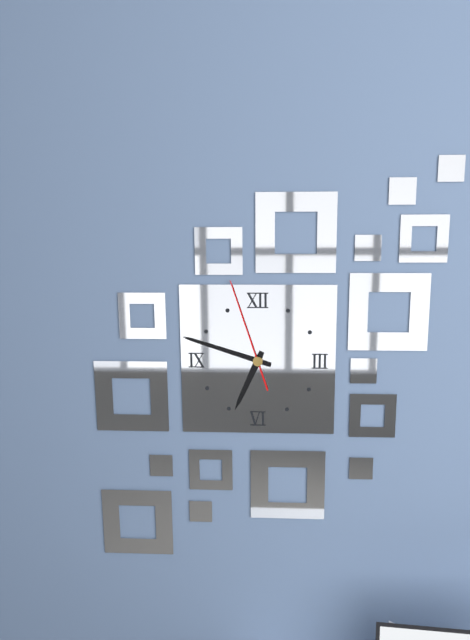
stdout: **6:48:57**
